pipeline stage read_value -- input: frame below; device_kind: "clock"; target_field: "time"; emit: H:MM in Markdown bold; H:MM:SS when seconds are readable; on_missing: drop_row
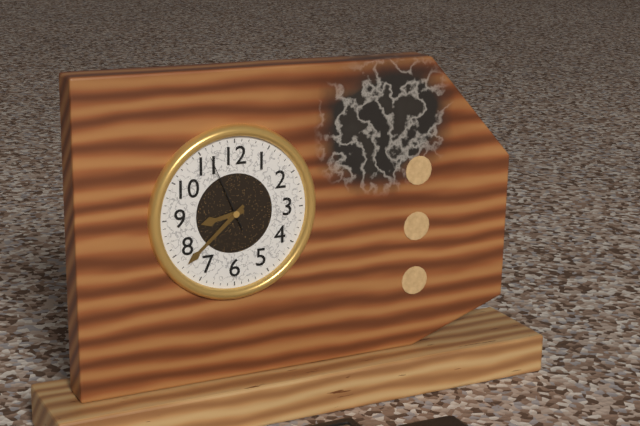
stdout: **8:38:56**
